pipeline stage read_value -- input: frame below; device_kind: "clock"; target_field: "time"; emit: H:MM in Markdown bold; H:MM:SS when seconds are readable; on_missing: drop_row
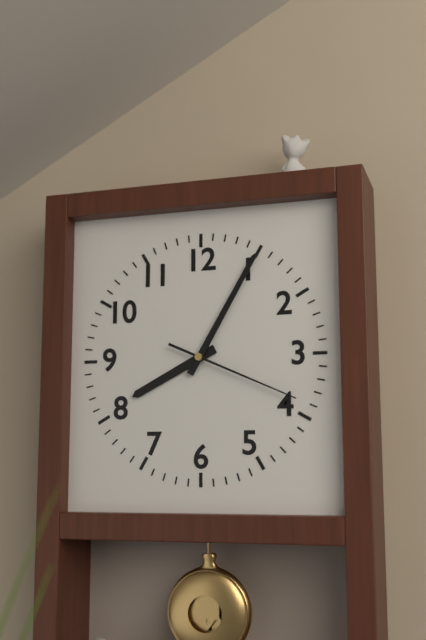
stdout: **8:05:19**
